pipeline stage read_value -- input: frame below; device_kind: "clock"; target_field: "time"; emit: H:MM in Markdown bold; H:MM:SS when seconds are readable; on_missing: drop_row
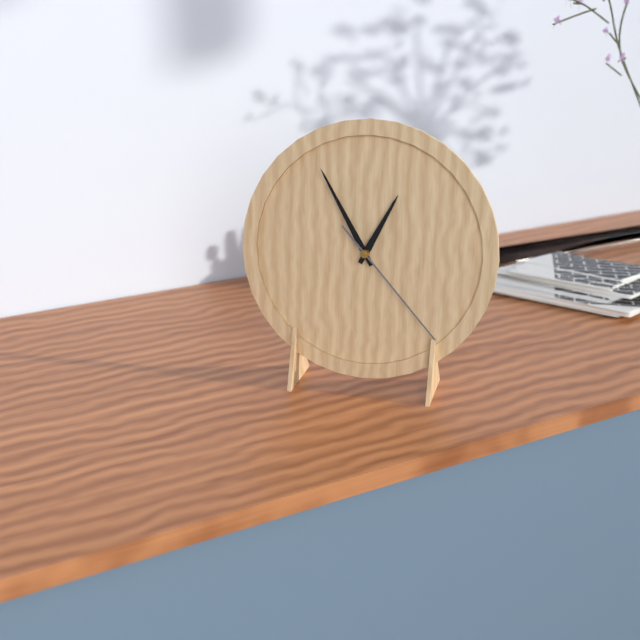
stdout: **12:55:23**
